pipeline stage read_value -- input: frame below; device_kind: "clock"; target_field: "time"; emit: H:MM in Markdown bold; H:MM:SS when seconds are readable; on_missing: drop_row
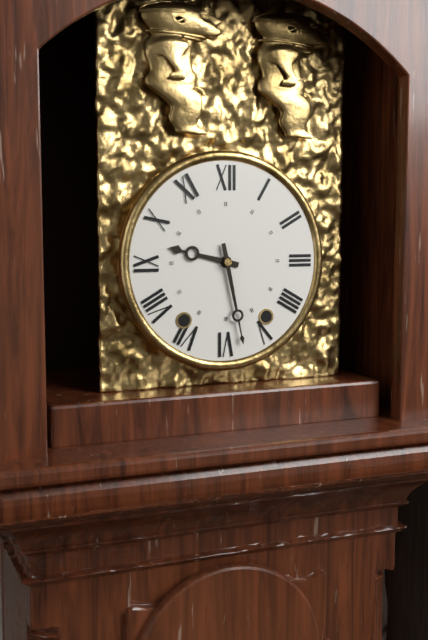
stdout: **9:28**
